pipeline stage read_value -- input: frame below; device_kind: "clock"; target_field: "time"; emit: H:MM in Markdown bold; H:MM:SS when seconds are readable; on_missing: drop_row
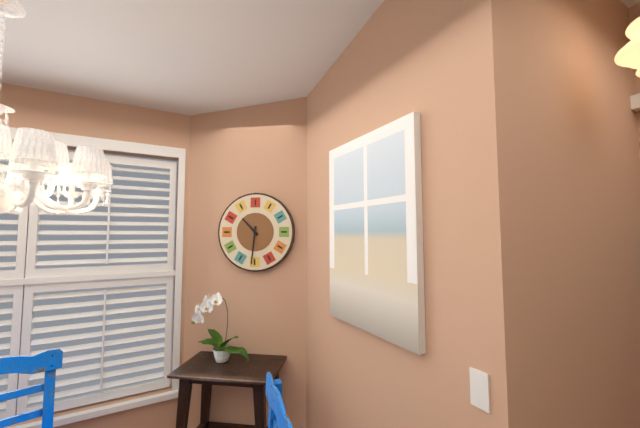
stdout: **10:31**
